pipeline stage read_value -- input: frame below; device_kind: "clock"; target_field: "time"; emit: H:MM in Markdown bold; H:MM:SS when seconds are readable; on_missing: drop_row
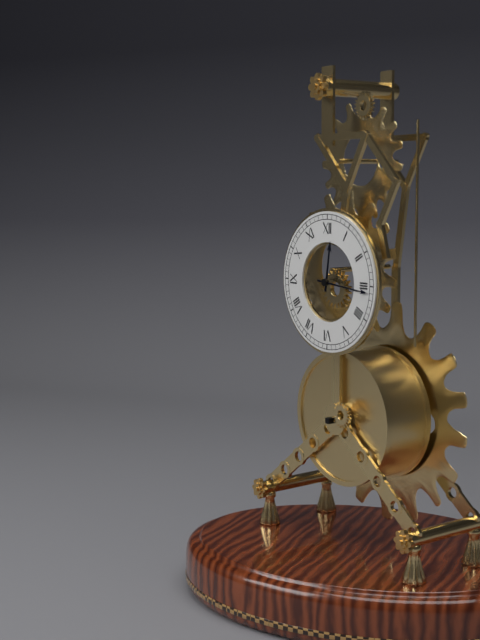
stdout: **12:16**
